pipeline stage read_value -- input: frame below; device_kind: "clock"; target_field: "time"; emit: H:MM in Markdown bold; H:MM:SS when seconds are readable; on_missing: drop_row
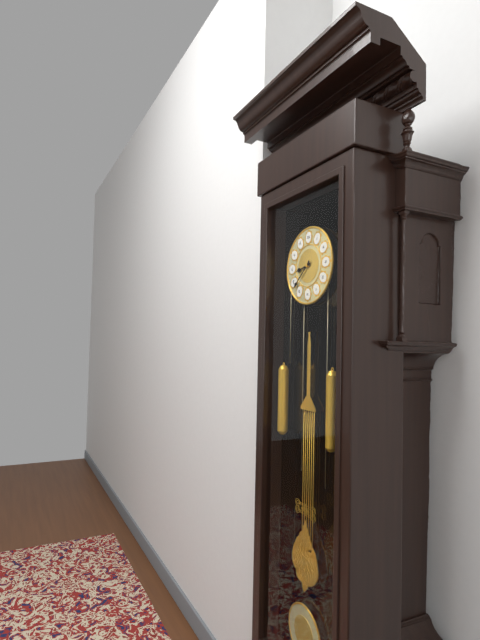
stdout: **8:38**
